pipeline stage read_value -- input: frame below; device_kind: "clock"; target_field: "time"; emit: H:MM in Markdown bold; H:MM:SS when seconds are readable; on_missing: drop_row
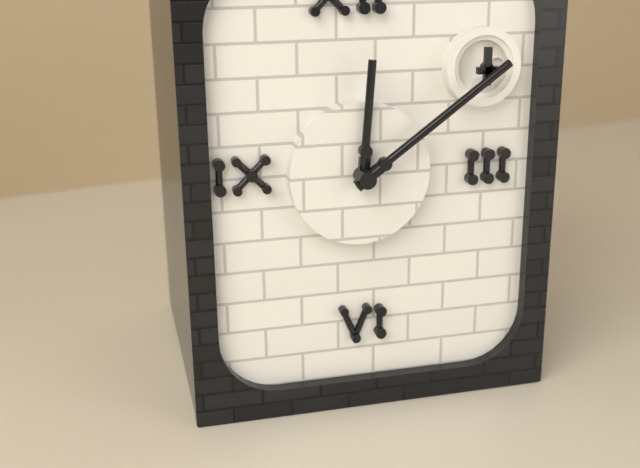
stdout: **12:09**
